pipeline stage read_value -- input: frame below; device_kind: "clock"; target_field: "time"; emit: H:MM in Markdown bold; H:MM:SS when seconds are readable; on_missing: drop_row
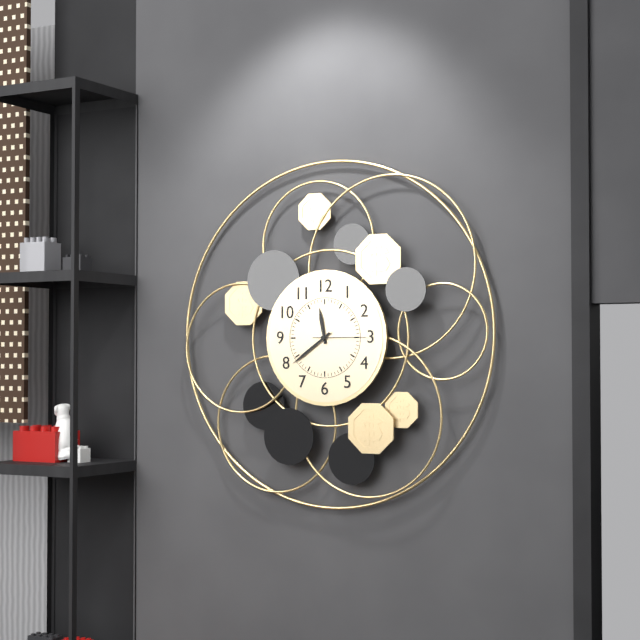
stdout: **11:39:15**
